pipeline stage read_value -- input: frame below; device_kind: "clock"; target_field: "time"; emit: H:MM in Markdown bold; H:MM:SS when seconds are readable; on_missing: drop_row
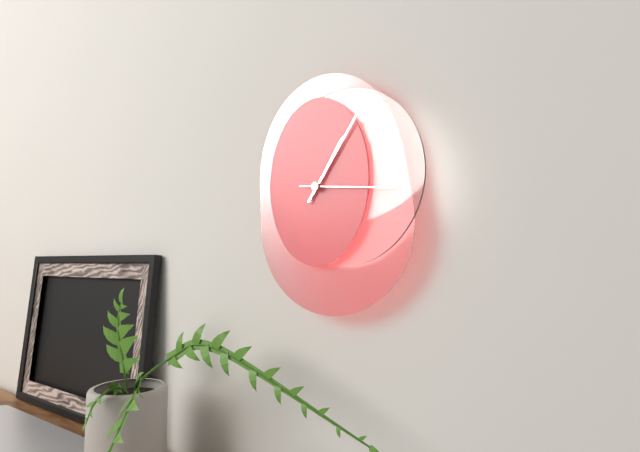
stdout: **1:06:16**
